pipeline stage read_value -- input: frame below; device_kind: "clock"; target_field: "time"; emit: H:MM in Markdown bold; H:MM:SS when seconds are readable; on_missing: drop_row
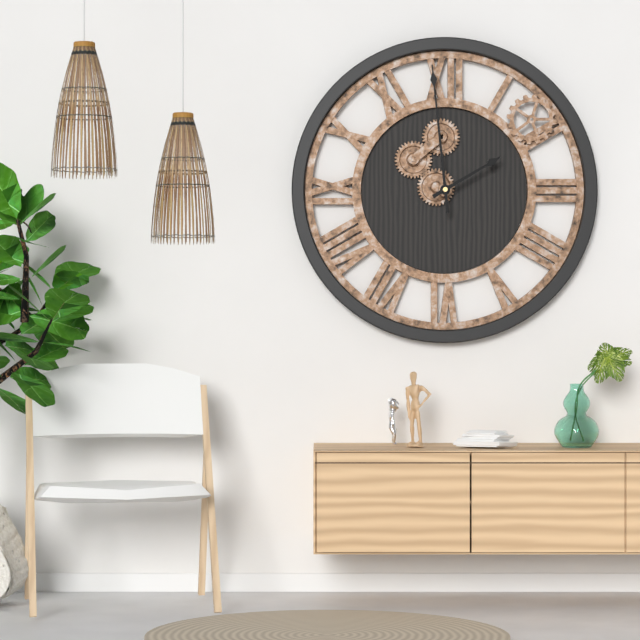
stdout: **1:59**
